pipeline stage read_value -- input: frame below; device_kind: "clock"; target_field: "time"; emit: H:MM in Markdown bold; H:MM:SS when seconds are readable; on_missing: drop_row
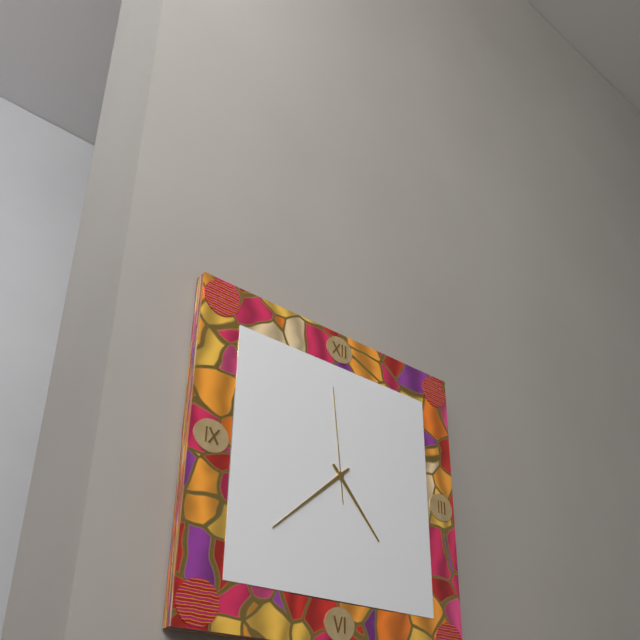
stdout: **4:38:59**
